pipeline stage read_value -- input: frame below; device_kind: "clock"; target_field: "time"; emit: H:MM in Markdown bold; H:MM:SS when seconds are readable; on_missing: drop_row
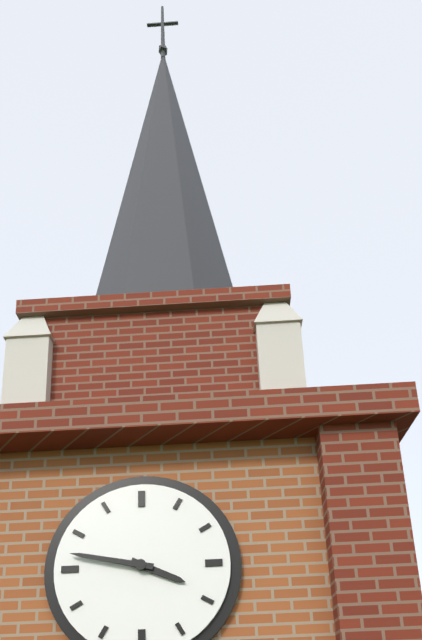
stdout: **3:47**
